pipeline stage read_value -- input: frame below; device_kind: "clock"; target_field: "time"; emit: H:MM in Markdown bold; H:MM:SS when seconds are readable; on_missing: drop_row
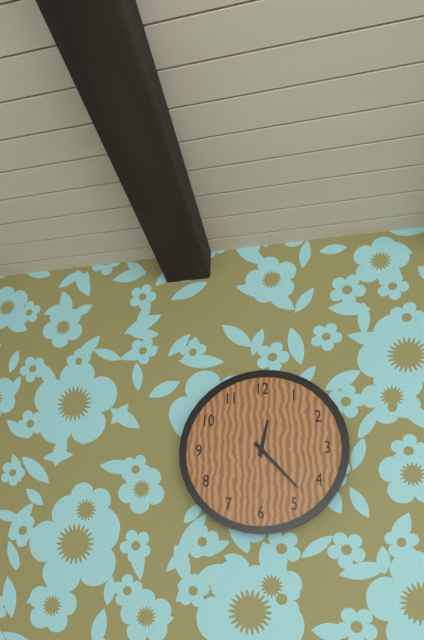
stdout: **12:23**
